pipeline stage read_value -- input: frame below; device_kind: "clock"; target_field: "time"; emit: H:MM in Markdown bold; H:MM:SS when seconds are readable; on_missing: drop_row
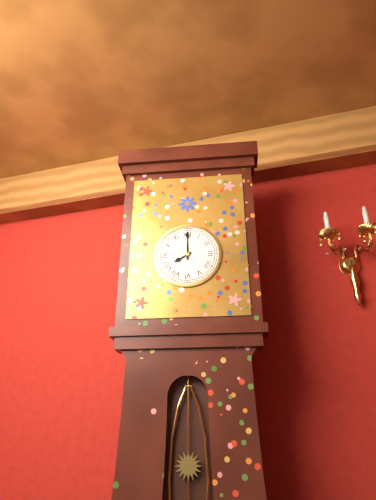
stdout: **8:00**
